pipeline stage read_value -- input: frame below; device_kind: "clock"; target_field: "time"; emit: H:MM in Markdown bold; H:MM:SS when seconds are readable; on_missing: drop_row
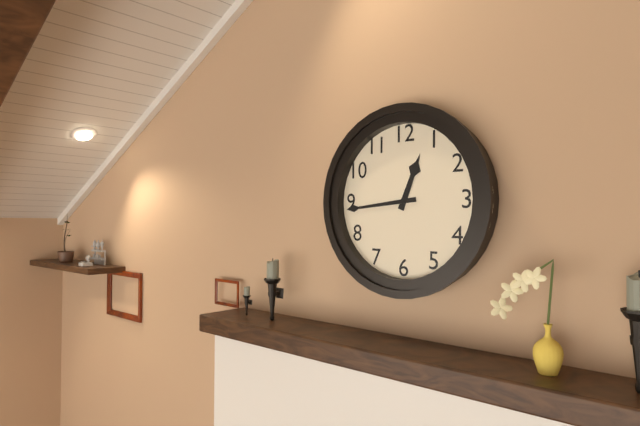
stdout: **12:44**
